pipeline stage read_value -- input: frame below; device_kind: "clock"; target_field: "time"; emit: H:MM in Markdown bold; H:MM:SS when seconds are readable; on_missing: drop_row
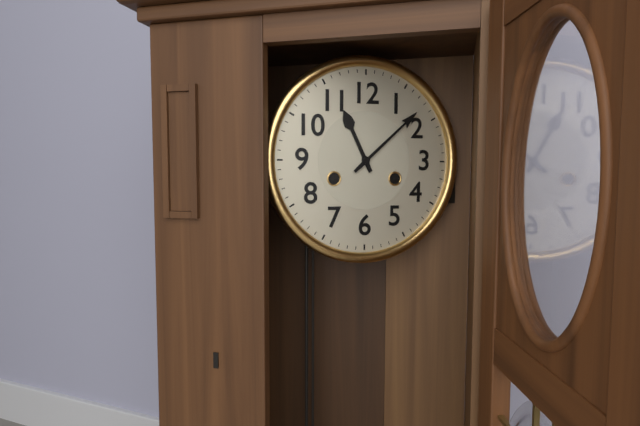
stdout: **11:08**
